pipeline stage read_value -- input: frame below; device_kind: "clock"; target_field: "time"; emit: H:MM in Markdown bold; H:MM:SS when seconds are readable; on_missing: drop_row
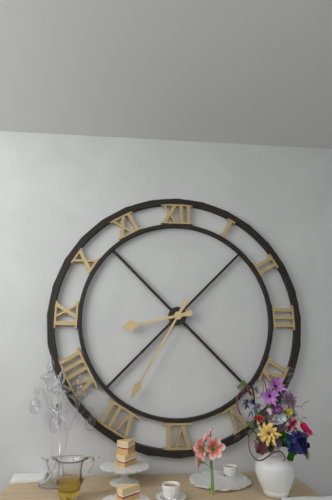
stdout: **8:35**
